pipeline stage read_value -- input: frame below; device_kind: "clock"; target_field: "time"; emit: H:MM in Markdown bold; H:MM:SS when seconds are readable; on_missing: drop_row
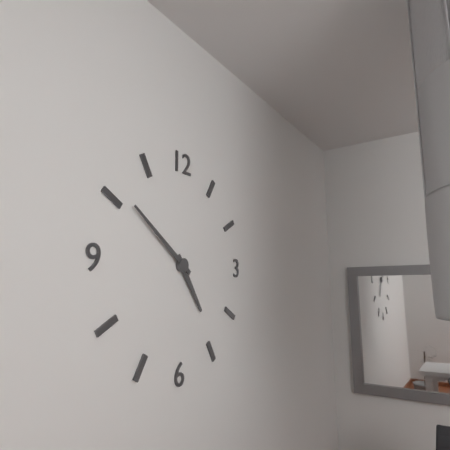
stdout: **4:51**
